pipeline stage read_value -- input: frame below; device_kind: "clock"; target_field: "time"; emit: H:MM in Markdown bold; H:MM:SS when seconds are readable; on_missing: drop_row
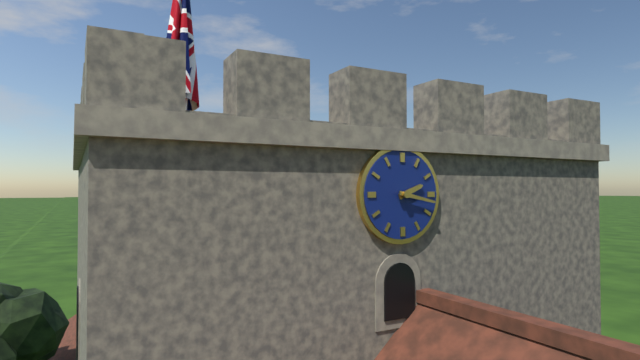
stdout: **2:17**
